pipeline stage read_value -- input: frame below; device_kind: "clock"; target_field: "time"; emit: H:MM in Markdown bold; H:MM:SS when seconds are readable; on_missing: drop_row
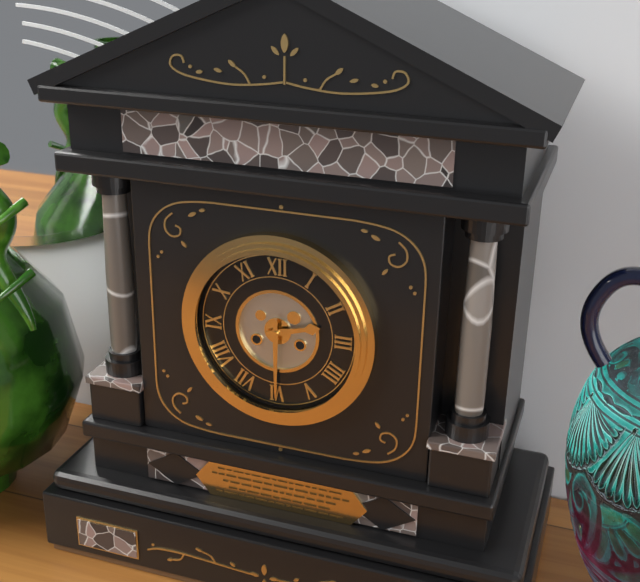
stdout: **2:30**
